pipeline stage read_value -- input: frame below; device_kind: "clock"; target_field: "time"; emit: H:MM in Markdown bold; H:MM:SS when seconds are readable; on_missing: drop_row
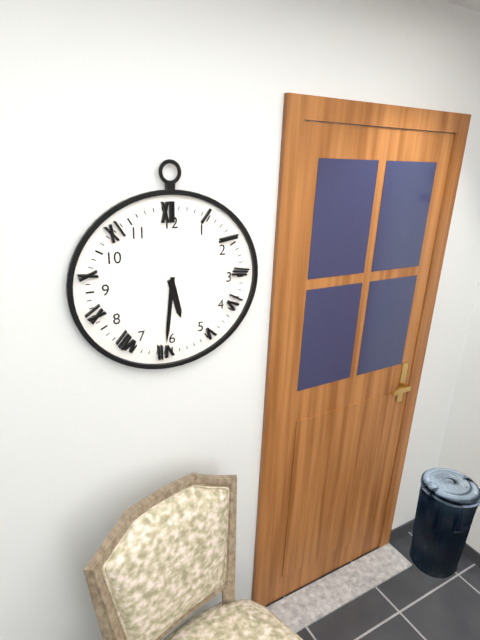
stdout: **5:31**
